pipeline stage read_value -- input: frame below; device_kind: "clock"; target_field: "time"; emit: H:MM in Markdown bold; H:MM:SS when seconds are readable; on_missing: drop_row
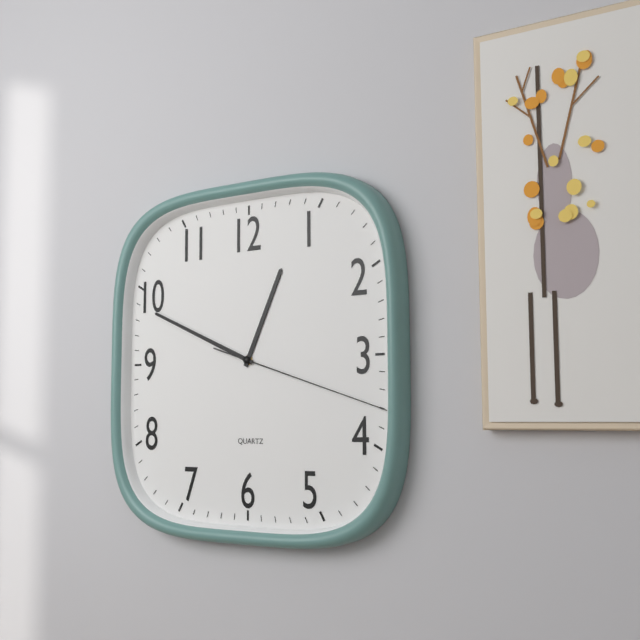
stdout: **12:49:18**
